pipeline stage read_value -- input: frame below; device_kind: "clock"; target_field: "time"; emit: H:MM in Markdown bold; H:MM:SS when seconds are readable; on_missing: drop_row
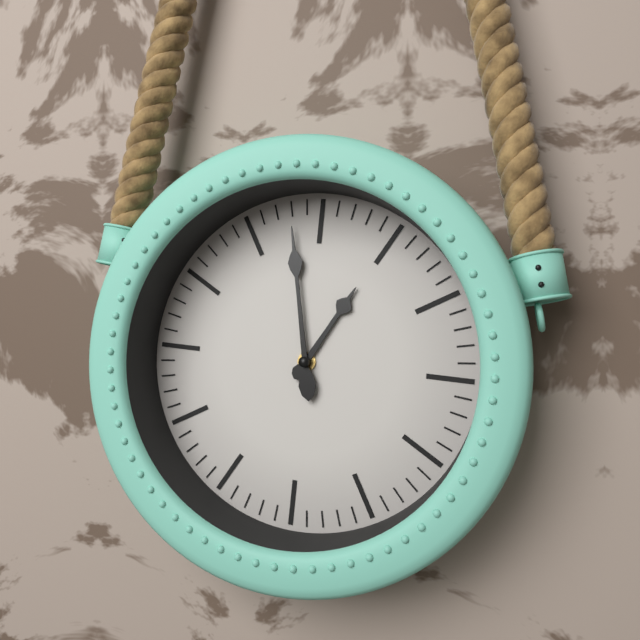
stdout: **12:58**
